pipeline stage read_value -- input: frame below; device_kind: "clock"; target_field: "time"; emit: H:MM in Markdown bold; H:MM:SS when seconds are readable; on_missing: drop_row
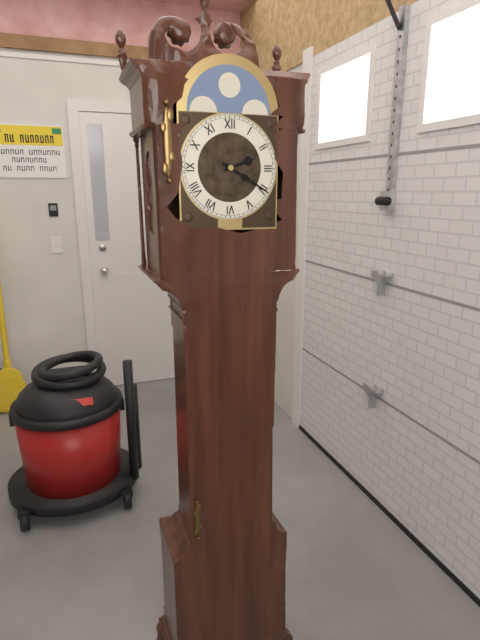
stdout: **2:20**
